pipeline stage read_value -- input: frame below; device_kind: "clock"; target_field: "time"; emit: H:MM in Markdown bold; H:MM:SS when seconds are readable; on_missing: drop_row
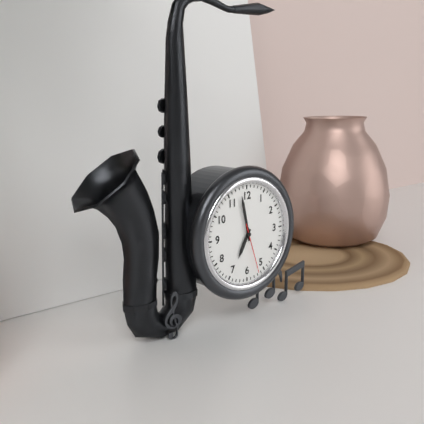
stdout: **6:58**
